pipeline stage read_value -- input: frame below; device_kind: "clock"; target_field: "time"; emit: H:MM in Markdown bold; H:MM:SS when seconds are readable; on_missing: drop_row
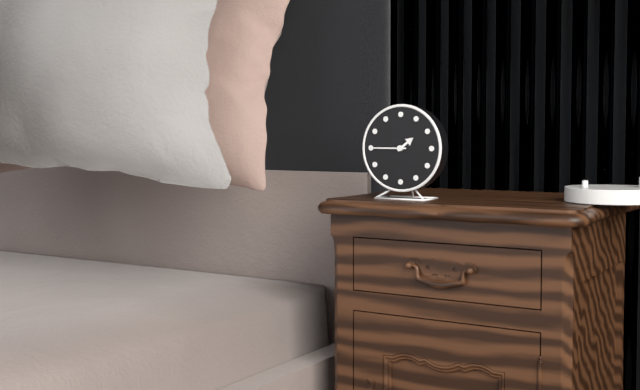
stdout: **1:45**
